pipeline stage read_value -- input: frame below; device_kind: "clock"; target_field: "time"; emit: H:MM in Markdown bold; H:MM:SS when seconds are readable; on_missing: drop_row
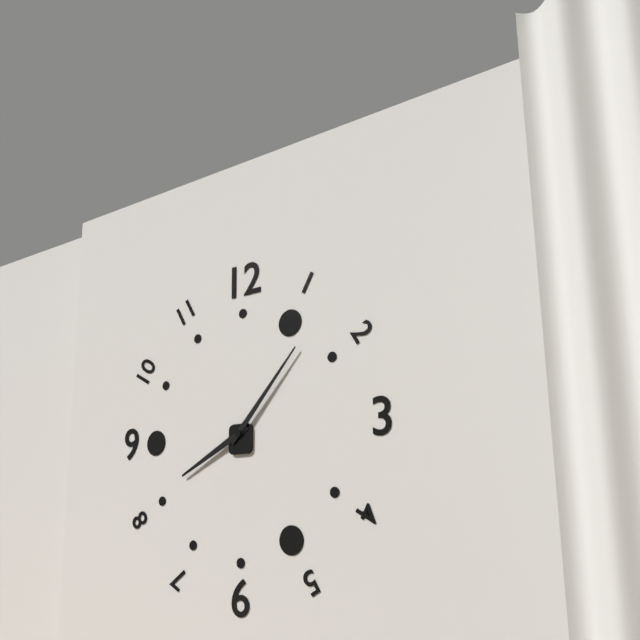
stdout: **8:07**
